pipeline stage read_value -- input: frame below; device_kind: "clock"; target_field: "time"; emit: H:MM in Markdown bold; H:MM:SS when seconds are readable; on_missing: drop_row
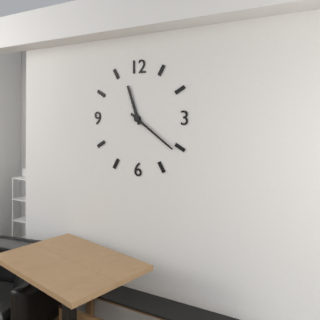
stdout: **11:21**
